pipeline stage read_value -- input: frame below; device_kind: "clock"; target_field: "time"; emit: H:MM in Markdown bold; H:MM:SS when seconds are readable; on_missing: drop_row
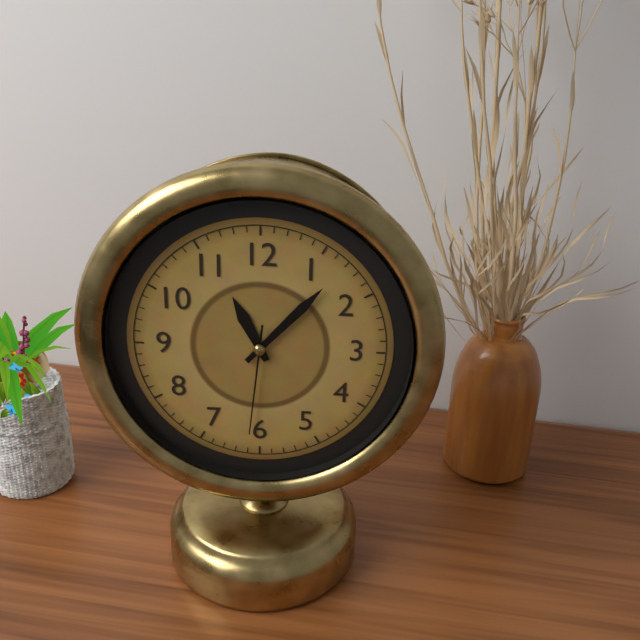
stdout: **11:07:31**
